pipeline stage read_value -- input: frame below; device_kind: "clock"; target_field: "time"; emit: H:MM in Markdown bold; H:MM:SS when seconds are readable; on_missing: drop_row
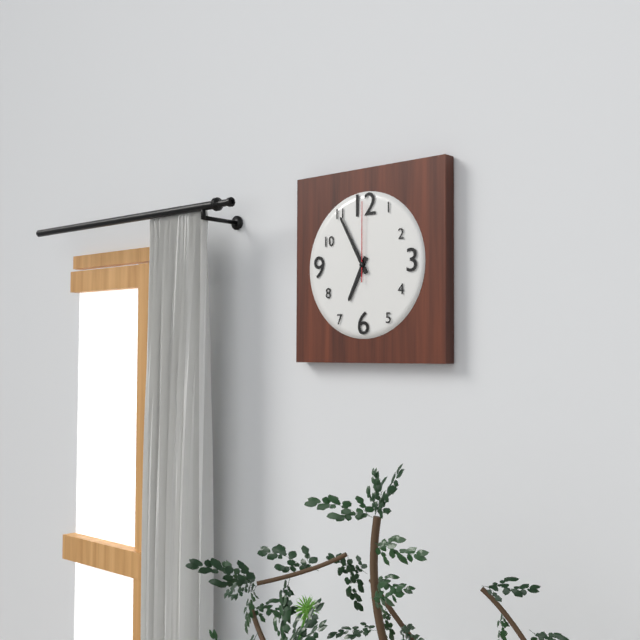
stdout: **6:55:00**
